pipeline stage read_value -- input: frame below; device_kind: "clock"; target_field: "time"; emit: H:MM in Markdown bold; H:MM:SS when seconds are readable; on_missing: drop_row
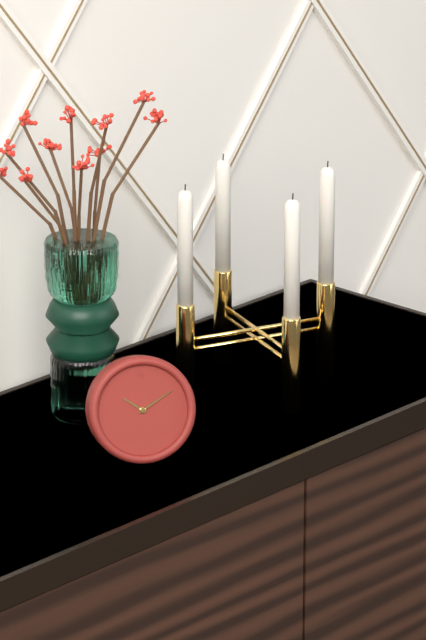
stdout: **10:10**
